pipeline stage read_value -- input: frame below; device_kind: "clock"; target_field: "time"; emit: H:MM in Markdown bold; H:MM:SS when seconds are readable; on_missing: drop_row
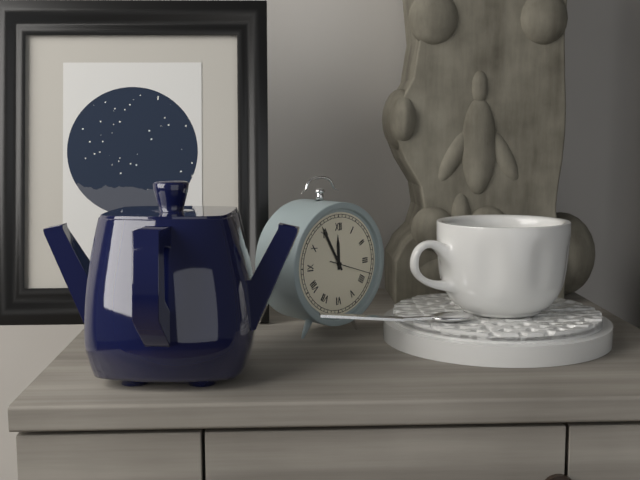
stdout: **11:55**
